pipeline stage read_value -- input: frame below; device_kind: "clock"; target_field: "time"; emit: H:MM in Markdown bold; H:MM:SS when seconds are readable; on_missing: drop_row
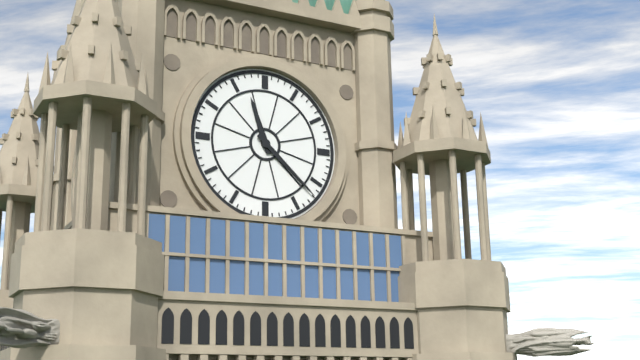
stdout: **11:22**
